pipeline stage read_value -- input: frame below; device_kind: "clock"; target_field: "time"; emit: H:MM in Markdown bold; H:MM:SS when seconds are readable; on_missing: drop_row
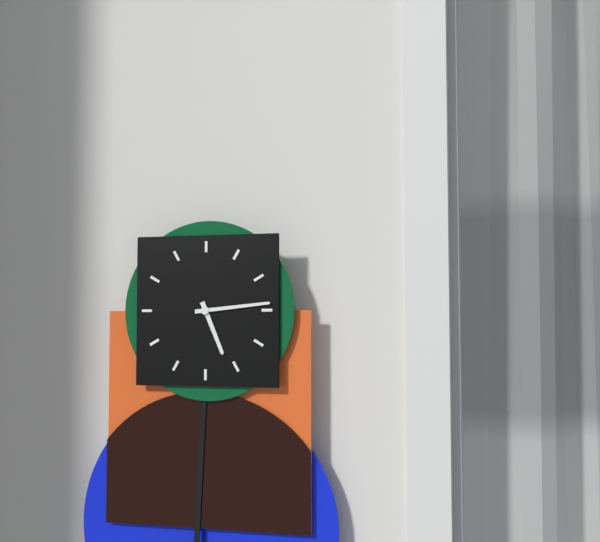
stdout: **5:14**
